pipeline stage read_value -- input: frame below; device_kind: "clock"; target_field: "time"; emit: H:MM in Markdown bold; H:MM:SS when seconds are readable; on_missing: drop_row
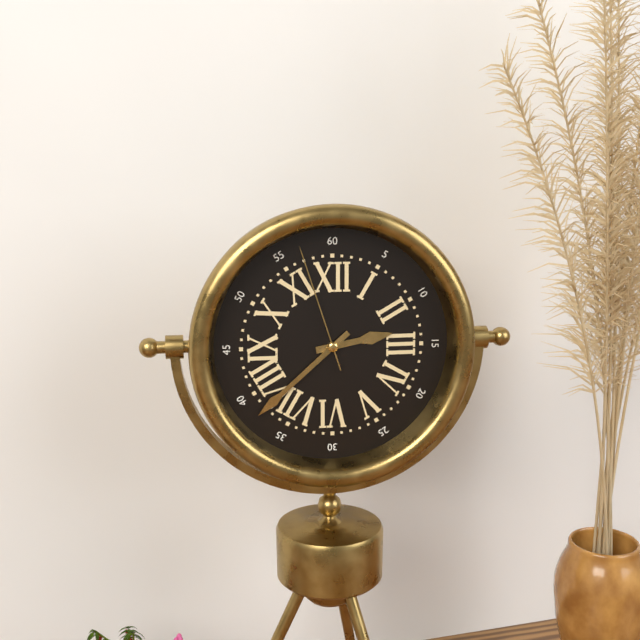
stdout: **2:38:57**
